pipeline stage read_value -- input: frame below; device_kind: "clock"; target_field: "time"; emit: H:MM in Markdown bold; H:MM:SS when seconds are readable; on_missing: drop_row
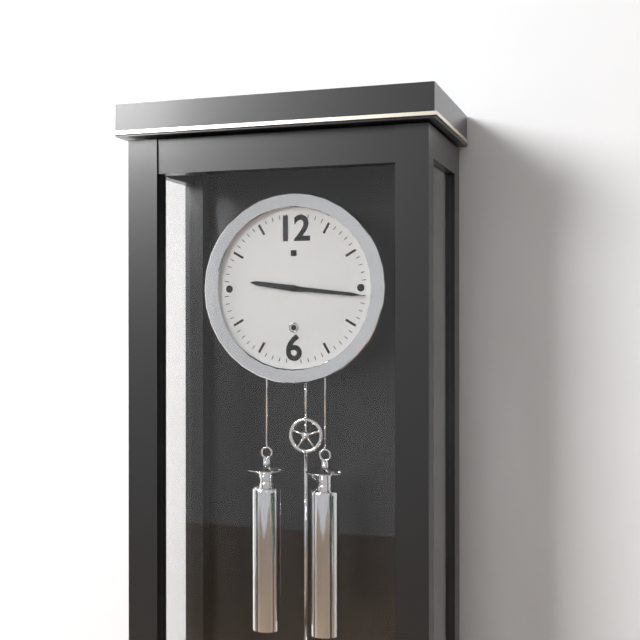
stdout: **9:16**
